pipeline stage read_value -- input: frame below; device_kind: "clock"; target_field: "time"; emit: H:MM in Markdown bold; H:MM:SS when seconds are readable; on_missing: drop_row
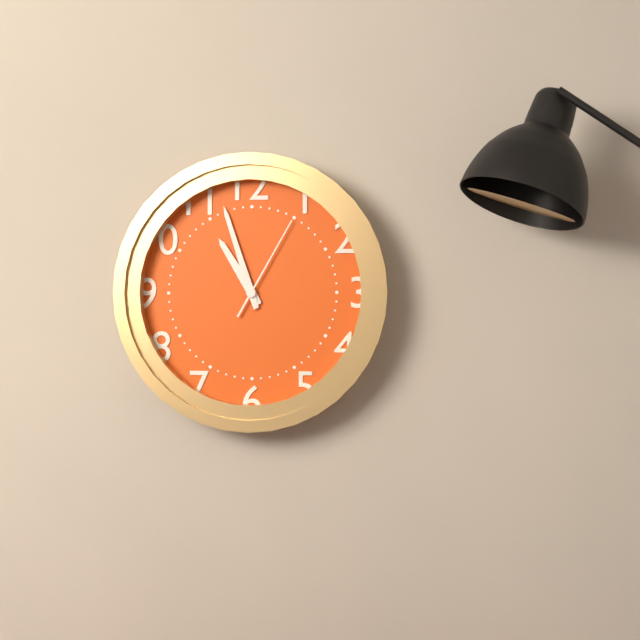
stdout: **10:57:05**
